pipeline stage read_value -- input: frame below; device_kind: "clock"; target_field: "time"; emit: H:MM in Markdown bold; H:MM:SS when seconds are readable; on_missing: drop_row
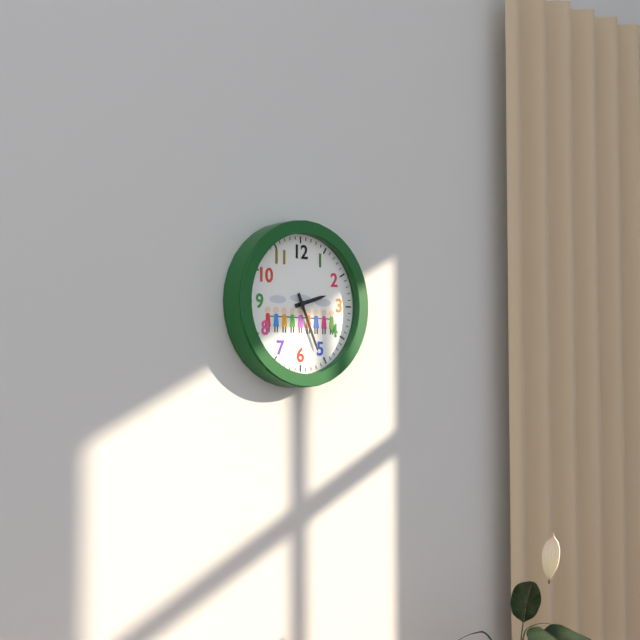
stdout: **2:26**
